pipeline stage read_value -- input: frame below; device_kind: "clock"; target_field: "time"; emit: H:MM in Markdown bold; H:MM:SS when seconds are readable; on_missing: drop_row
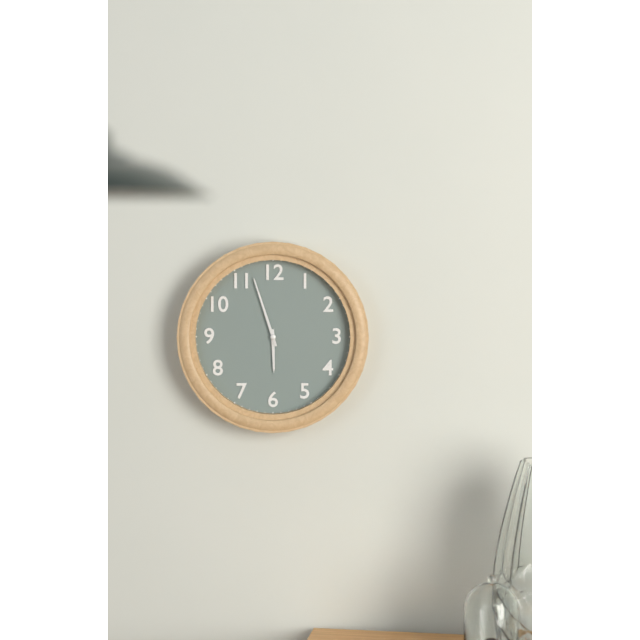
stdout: **5:57**
